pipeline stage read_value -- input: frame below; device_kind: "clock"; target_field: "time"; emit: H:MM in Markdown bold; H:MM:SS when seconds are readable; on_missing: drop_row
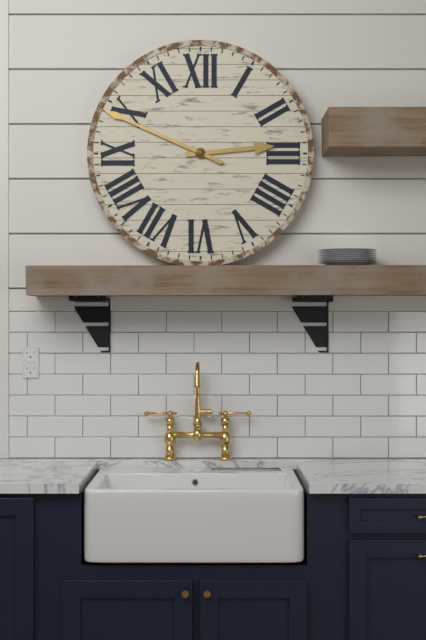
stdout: **2:49**
